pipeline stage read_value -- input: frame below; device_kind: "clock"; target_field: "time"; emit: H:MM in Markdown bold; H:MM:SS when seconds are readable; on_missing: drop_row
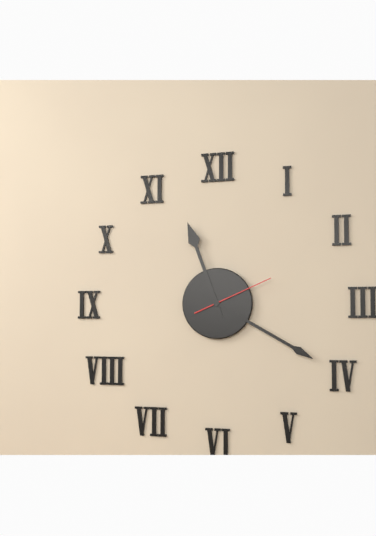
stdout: **11:20:11**
